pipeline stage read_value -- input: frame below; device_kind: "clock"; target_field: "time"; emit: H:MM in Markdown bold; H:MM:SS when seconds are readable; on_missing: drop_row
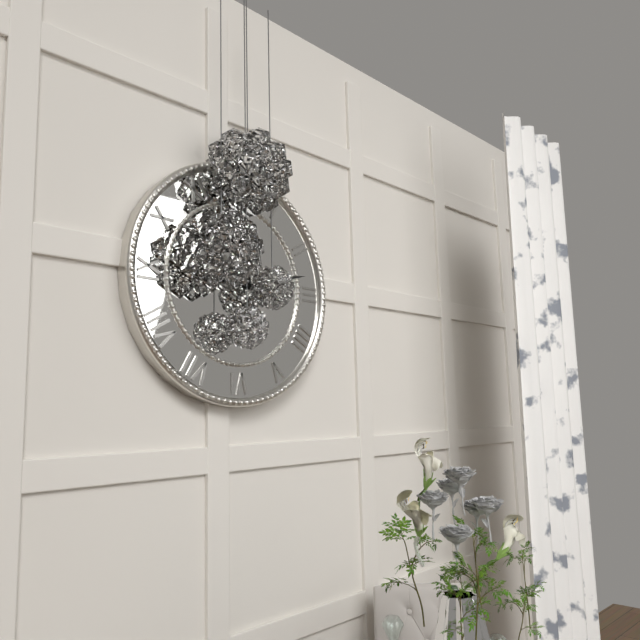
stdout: **3:13**
